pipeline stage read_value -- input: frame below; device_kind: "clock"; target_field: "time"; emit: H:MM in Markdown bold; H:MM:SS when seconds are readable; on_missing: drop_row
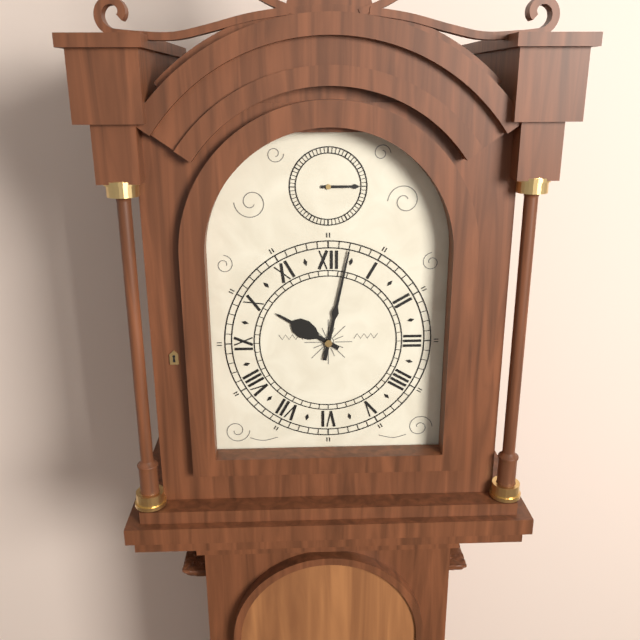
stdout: **10:02**
